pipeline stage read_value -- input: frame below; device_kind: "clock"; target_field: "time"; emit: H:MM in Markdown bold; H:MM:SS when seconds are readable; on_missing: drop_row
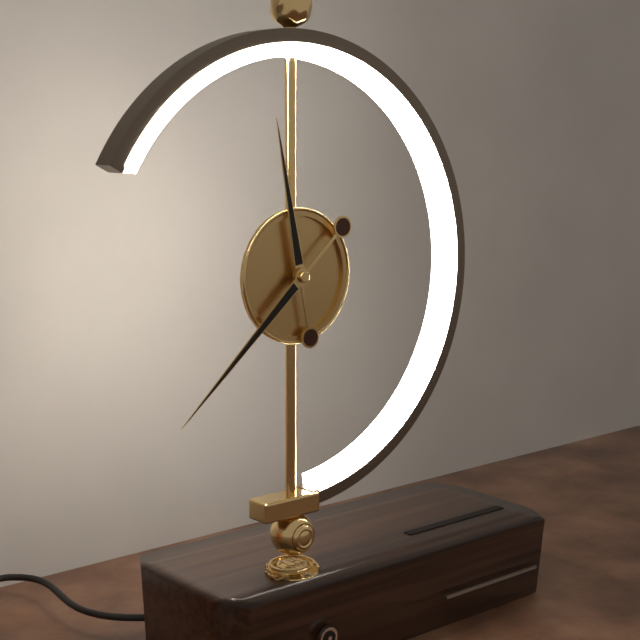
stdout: **11:38**
